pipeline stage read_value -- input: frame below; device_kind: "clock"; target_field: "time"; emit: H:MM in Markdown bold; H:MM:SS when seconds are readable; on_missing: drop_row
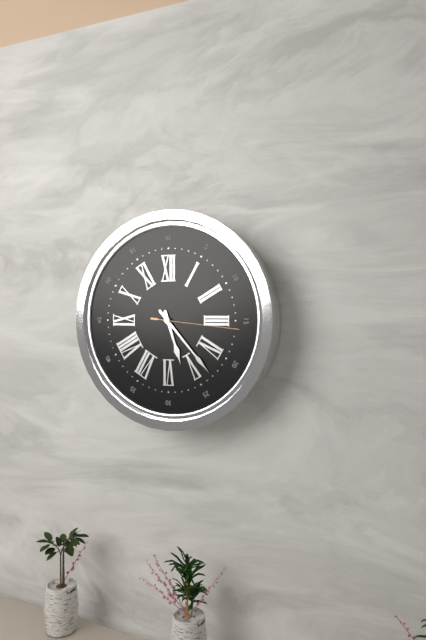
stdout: **5:23:16**
